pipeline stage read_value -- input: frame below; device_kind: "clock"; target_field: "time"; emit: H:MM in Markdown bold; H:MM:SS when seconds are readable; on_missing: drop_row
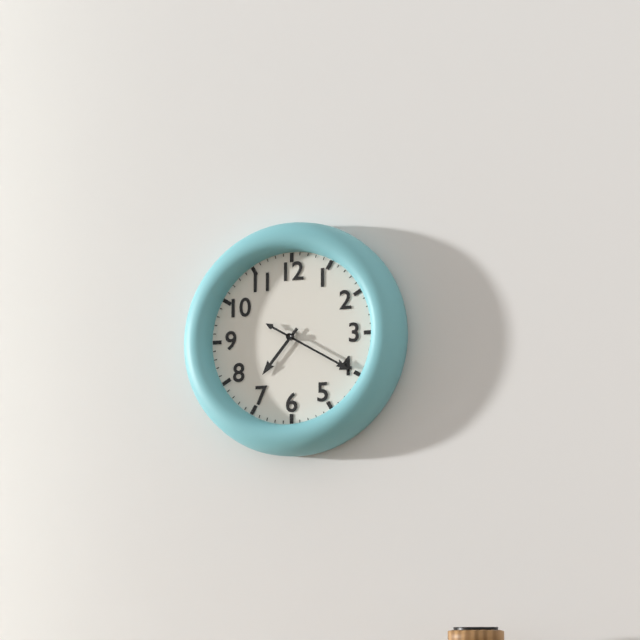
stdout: **7:20**
